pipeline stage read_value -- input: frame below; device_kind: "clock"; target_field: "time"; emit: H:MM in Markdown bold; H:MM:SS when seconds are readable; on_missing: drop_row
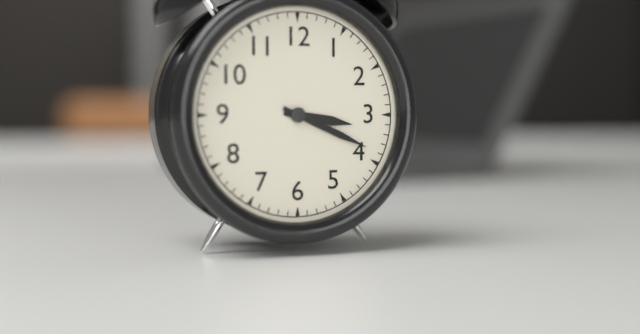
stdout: **3:19**
